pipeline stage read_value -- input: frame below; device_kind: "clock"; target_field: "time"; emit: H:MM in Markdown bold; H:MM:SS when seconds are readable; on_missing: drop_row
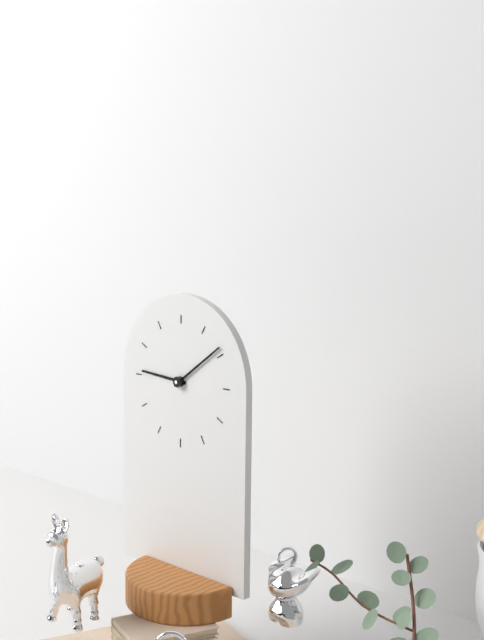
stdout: **9:09**
